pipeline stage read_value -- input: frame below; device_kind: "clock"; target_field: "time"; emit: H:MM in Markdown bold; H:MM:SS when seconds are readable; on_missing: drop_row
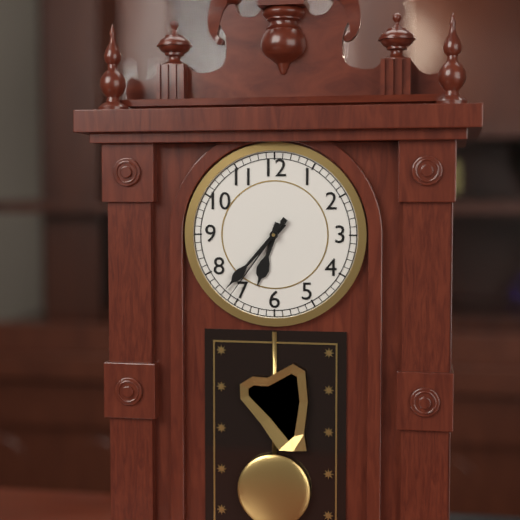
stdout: **6:37:36**
